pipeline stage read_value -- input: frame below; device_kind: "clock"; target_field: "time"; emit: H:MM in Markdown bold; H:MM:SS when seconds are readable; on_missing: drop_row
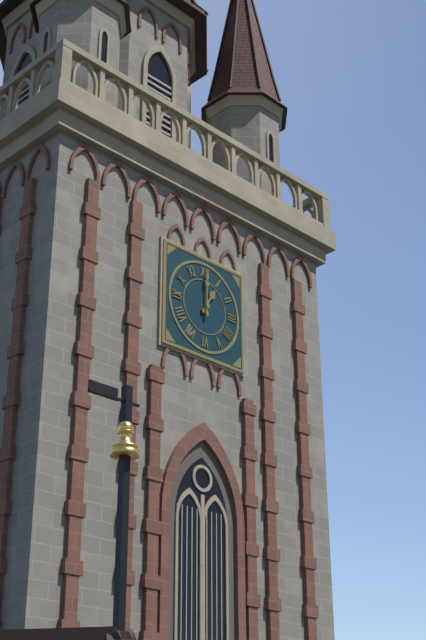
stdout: **1:00**
